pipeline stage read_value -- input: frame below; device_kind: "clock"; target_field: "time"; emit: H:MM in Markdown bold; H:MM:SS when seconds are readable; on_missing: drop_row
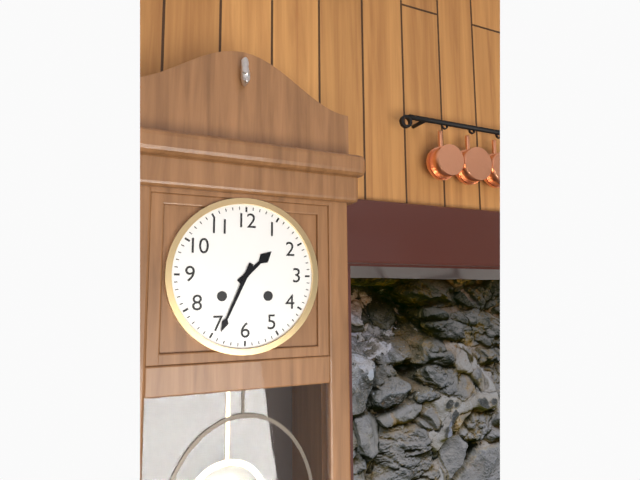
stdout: **1:34**
